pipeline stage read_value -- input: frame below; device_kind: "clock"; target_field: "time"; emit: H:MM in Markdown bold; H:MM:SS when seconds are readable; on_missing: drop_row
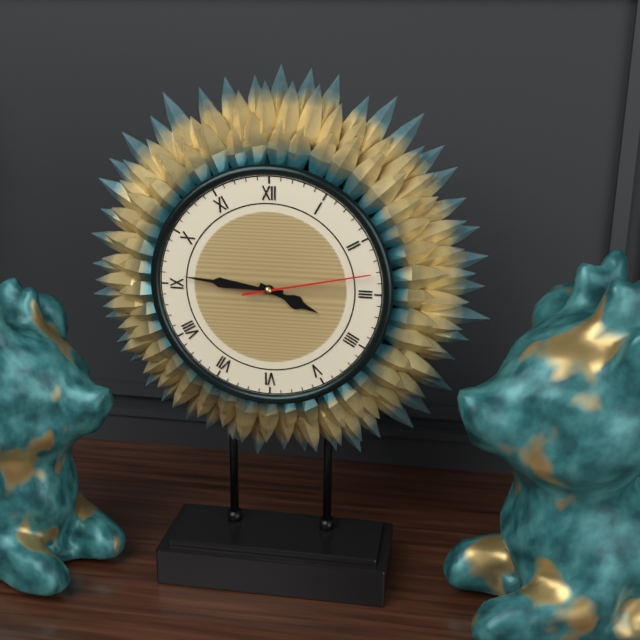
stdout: **3:46:13**
